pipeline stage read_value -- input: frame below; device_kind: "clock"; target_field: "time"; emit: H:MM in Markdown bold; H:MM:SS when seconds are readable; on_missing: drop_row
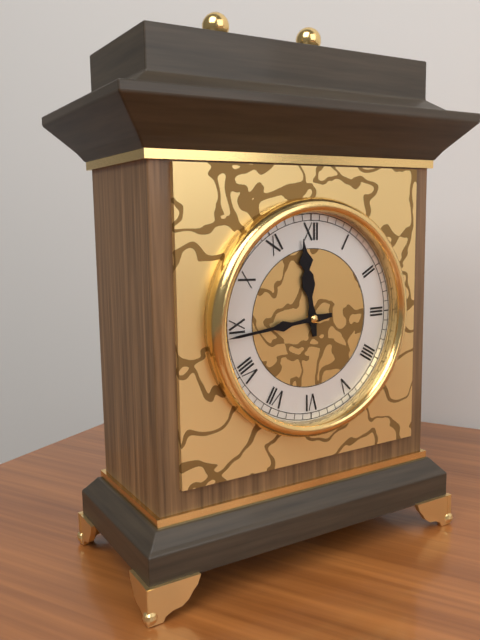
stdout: **11:44**
